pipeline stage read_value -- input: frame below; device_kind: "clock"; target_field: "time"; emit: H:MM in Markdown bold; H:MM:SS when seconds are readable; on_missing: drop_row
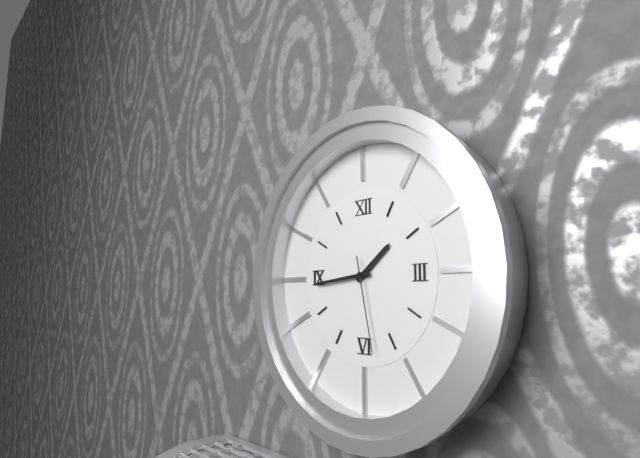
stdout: **1:44:28**
